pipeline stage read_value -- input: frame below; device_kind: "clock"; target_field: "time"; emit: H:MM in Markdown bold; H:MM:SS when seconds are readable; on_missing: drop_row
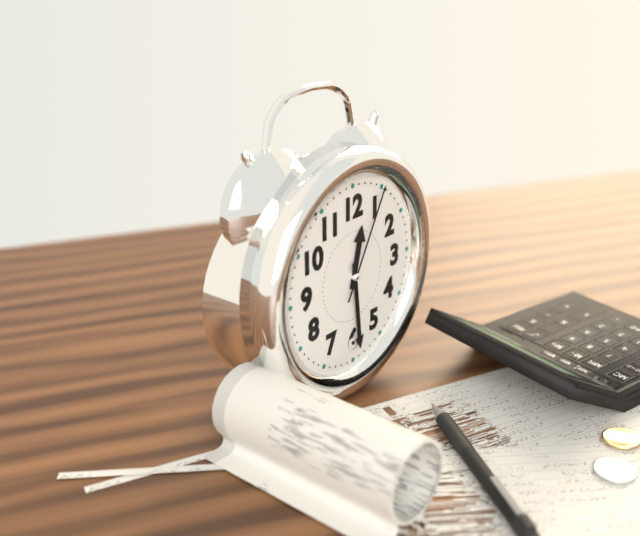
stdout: **12:29:05**
